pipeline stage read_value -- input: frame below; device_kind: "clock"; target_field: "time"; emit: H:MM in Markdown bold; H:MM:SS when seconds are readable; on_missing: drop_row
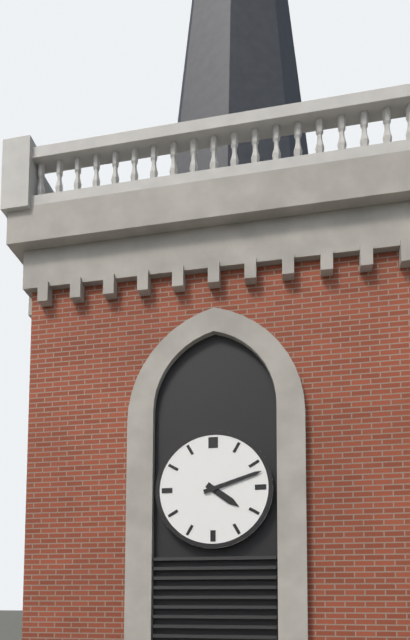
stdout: **4:12**
